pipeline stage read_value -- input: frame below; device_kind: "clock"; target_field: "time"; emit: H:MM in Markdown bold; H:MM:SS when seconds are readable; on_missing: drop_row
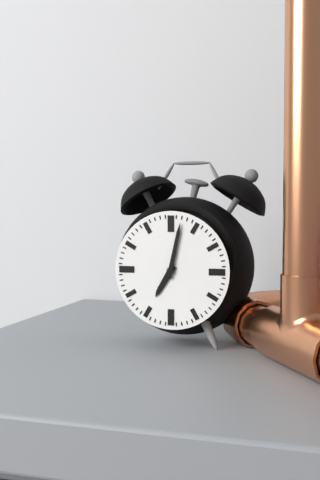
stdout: **7:02**
